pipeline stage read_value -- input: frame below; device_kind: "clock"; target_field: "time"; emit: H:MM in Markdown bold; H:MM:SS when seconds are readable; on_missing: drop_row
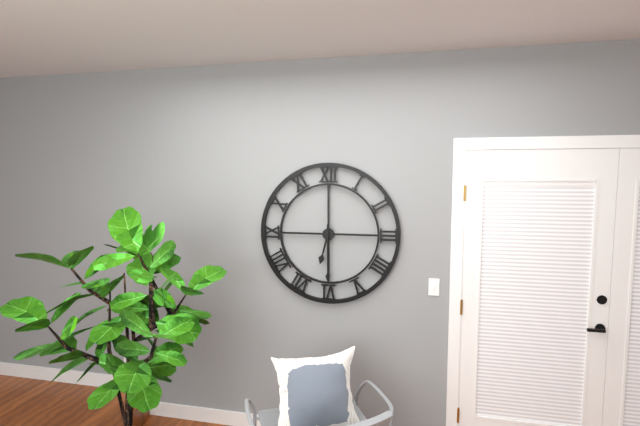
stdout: **6:30**
